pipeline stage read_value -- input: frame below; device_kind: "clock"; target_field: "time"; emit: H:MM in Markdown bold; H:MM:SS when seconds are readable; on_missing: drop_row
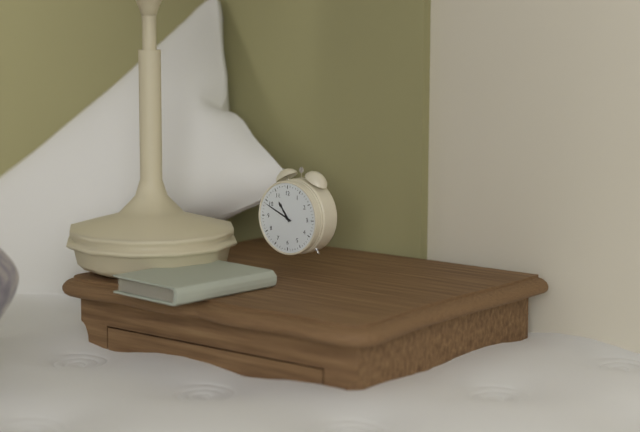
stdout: **10:49**
